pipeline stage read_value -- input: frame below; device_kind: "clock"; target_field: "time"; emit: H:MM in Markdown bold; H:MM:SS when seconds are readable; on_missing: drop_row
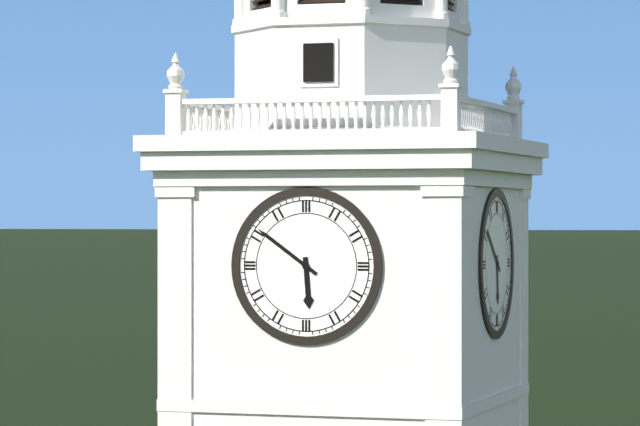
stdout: **5:51**
